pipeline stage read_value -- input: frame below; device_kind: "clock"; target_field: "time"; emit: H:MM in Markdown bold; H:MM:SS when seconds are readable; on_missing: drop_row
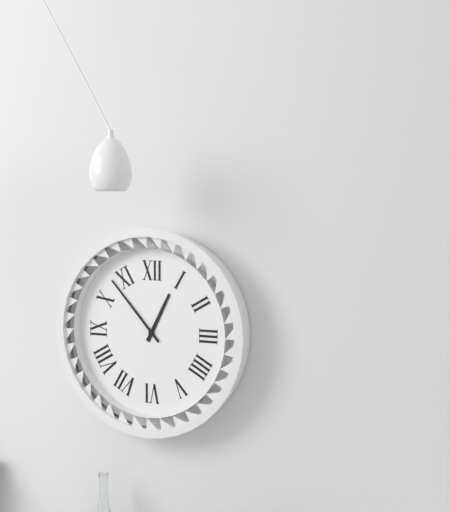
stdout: **12:53**
